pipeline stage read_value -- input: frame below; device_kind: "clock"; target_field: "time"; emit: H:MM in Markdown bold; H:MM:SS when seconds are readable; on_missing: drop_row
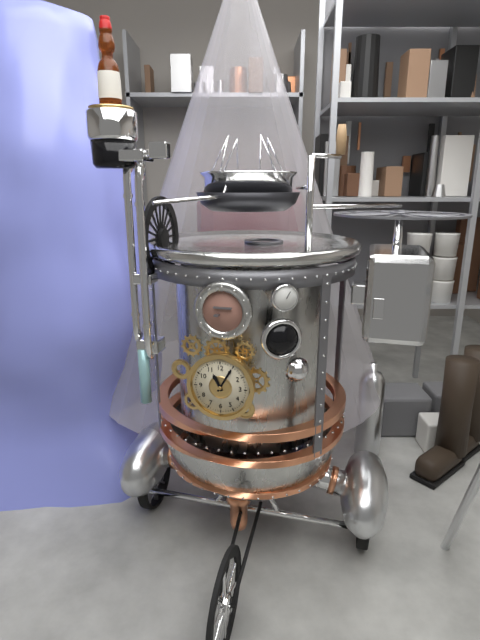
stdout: **11:05**
